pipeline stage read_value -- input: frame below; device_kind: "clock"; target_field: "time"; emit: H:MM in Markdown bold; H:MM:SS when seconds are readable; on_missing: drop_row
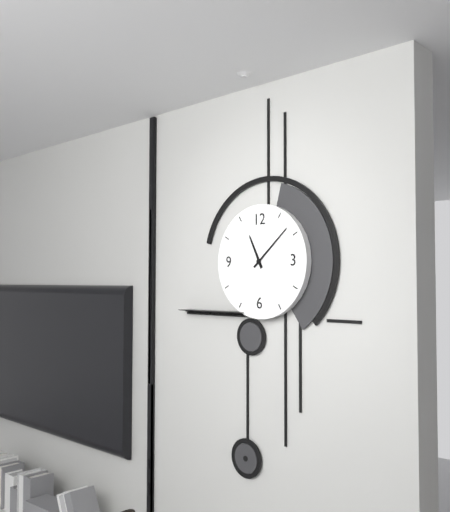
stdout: **11:08**
